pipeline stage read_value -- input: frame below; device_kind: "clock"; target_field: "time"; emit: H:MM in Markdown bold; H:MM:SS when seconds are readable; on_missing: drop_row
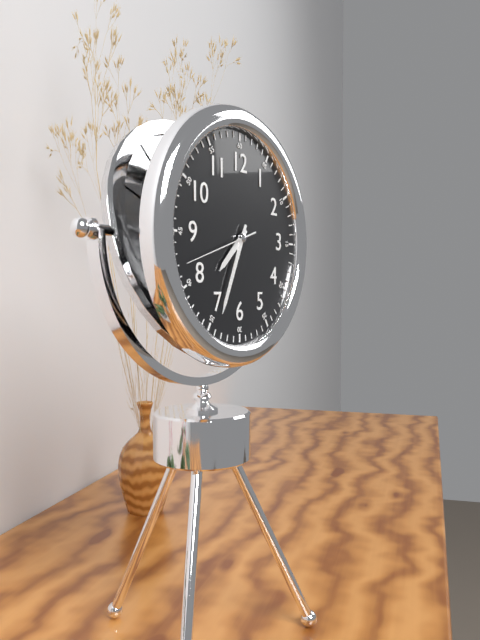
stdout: **7:34:42**
